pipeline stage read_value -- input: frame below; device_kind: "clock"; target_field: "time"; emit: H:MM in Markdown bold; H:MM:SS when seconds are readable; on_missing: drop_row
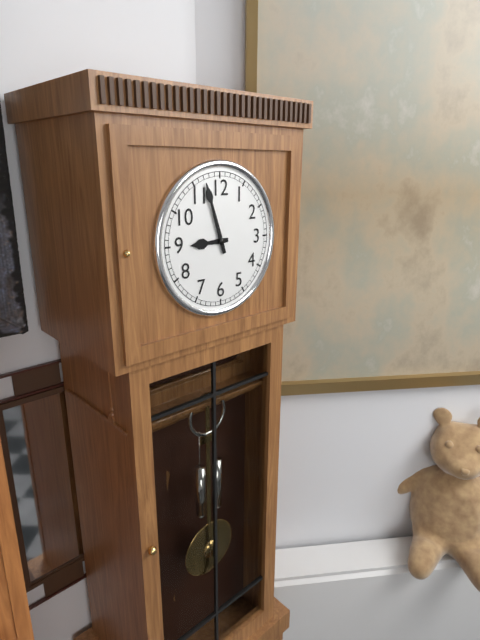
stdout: **8:57**
